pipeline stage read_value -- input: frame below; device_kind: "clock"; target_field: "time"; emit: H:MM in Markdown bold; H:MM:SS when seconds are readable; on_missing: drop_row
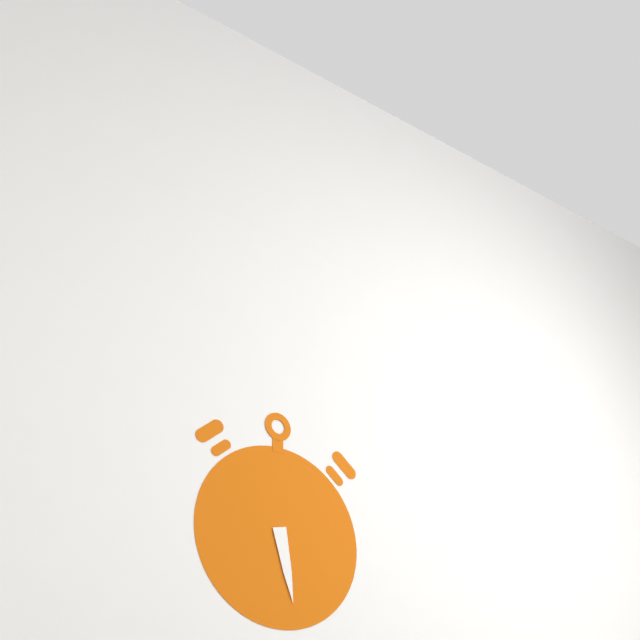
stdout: **5:28**
